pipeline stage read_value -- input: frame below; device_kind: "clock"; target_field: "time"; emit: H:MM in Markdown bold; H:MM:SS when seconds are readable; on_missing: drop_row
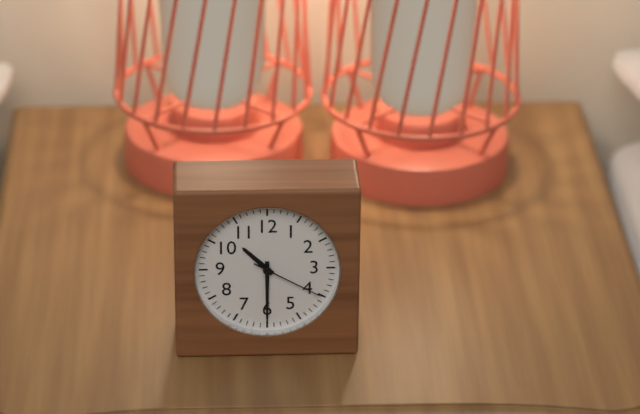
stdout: **10:30:20**
